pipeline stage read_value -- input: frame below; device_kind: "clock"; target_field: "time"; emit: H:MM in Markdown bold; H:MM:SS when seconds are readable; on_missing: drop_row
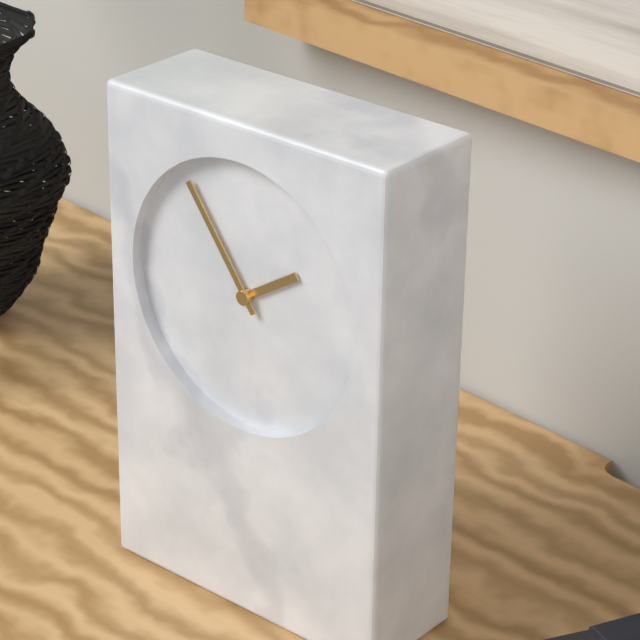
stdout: **1:54**
